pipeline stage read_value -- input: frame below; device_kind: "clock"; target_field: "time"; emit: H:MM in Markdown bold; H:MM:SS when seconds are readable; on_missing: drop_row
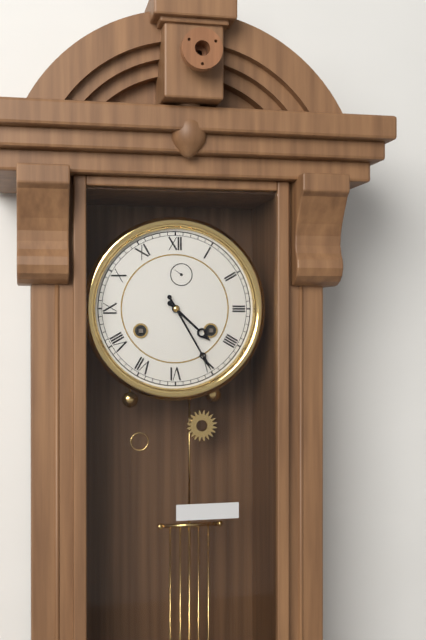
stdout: **4:25**
